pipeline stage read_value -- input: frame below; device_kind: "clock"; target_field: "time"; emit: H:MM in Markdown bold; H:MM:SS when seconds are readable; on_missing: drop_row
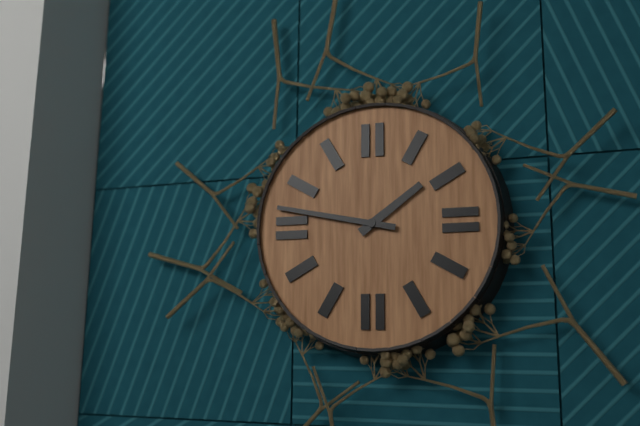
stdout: **1:47**
